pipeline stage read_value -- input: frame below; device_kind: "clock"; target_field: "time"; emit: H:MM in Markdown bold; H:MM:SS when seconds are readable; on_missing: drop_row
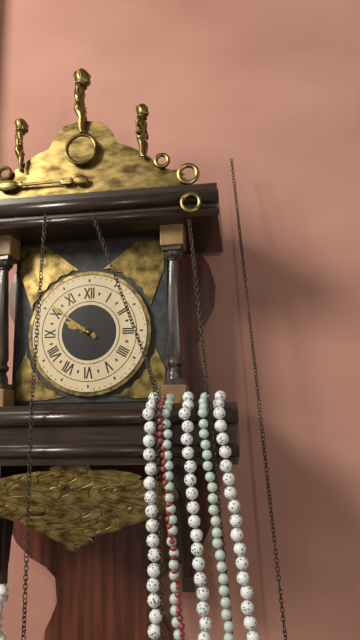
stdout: **9:51**
